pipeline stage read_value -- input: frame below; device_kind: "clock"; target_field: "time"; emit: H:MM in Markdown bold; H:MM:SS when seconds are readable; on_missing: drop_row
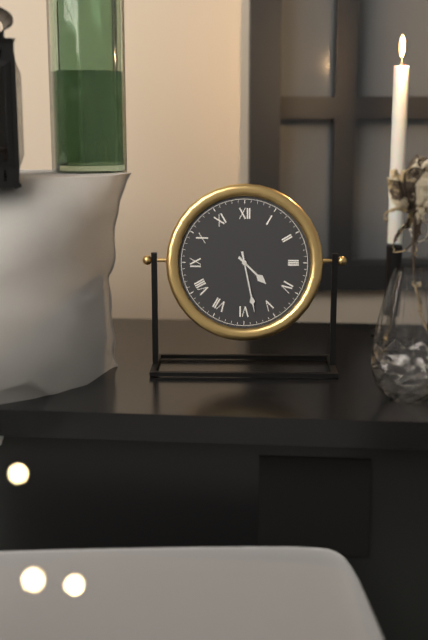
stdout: **4:28**
